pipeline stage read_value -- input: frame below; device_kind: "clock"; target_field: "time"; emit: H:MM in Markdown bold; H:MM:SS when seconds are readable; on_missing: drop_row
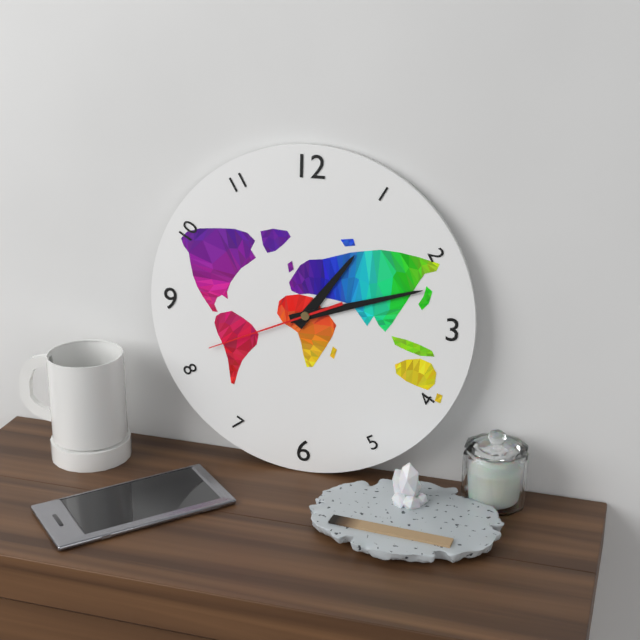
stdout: **1:12:41**
